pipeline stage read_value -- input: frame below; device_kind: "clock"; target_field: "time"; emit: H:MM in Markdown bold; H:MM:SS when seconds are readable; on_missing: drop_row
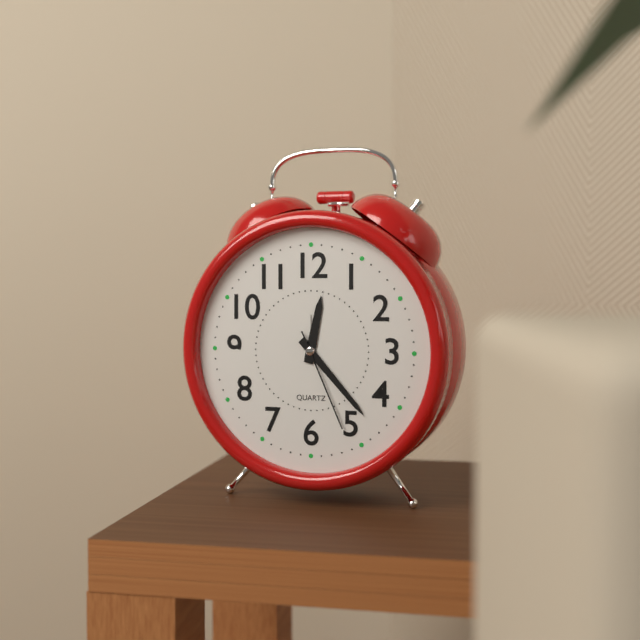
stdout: **12:23:26**
